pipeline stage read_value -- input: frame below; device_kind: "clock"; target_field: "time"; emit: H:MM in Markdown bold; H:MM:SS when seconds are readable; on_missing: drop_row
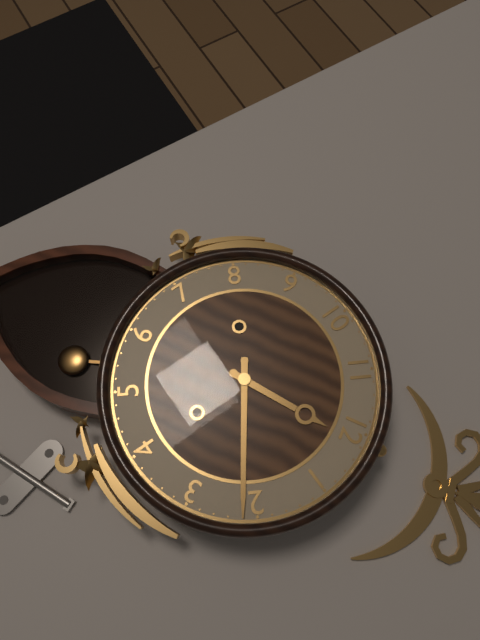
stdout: **12:11**
